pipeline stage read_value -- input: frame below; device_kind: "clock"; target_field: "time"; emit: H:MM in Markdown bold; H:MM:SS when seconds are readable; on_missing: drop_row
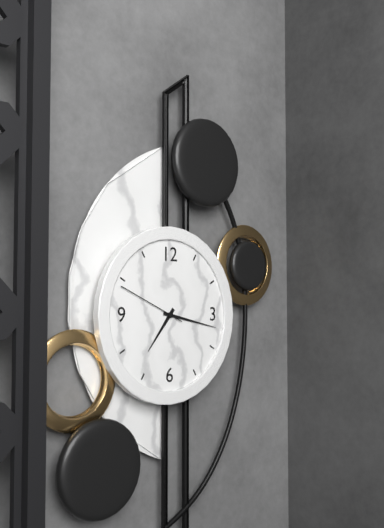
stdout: **7:17:49**
